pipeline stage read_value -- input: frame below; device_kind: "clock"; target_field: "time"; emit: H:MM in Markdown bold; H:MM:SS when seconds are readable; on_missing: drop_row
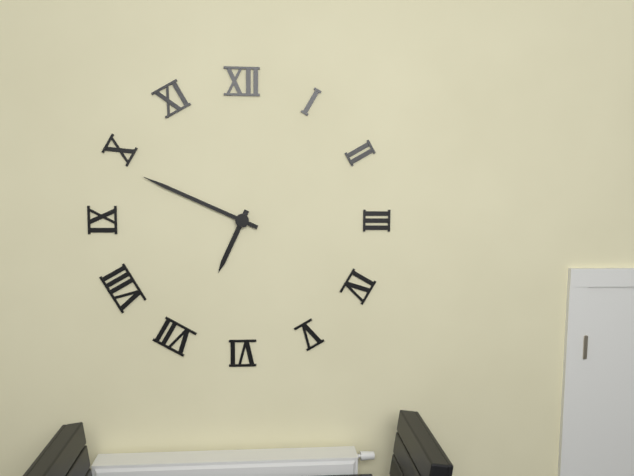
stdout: **6:49**
